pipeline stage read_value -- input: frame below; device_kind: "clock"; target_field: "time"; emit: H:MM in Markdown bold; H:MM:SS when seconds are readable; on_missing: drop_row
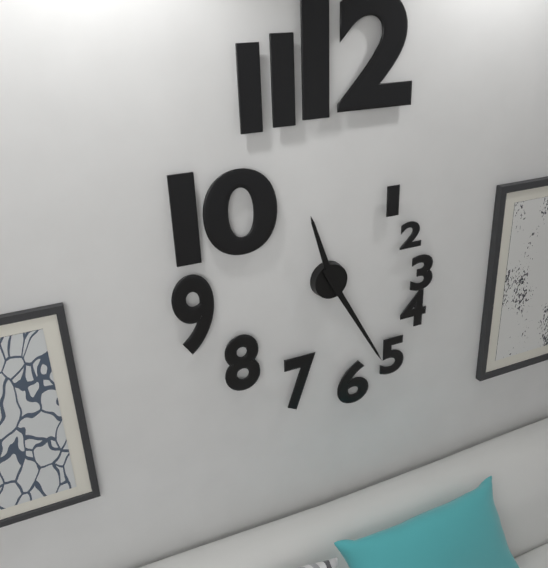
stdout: **11:25**
